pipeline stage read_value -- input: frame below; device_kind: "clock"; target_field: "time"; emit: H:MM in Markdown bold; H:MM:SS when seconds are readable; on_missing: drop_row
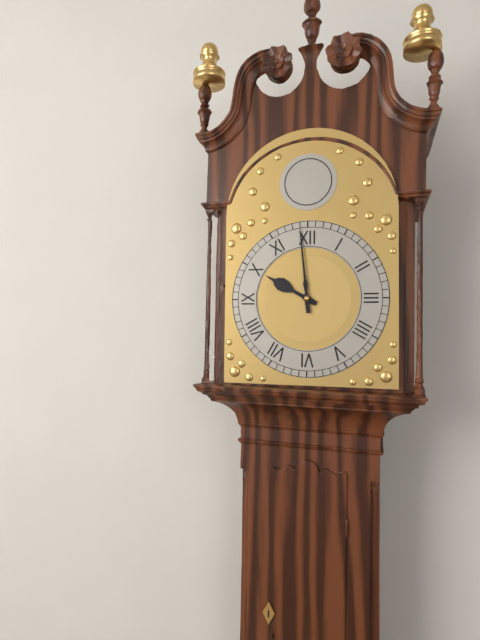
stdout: **9:59**
